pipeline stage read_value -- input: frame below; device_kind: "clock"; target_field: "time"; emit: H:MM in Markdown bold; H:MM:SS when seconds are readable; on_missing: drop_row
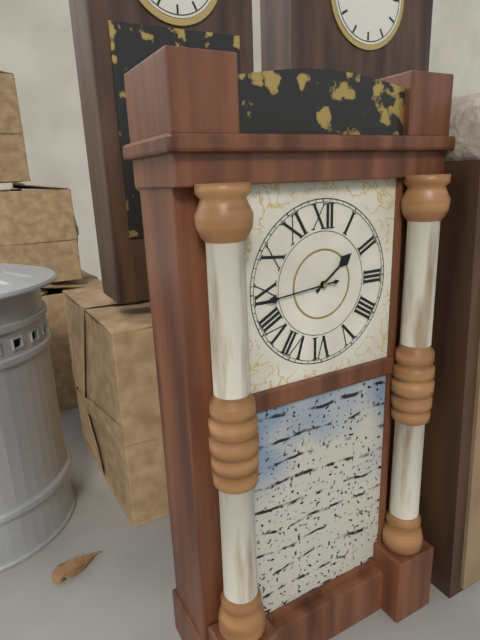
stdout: **1:44**
